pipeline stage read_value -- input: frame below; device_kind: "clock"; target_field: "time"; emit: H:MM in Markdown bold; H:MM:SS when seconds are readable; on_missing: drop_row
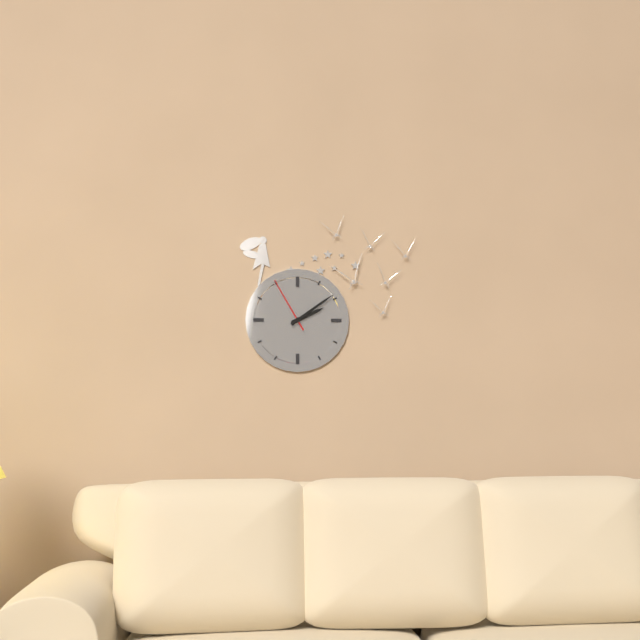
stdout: **2:09:55**
